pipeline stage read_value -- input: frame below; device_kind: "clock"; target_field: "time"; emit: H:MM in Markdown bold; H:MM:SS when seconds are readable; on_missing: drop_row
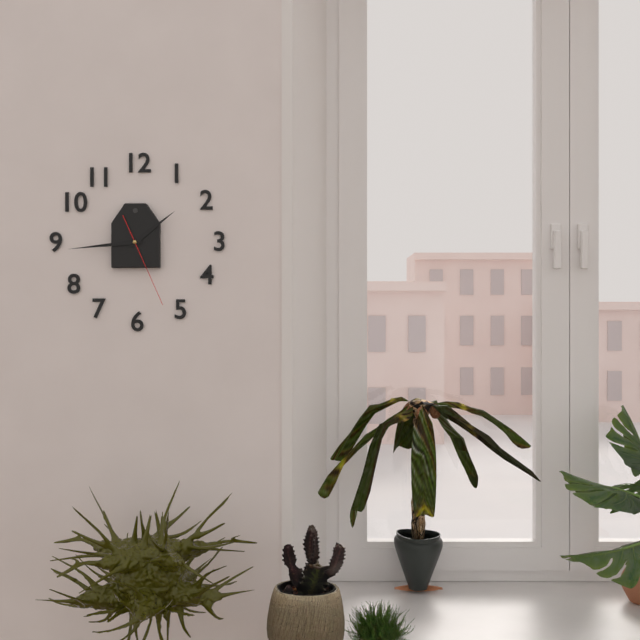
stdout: **1:44:26**
